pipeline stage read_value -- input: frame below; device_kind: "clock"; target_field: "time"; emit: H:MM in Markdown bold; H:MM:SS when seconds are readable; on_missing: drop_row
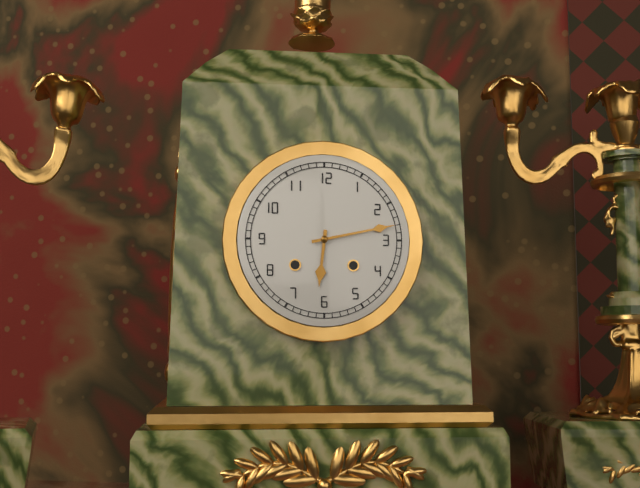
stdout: **6:13**
